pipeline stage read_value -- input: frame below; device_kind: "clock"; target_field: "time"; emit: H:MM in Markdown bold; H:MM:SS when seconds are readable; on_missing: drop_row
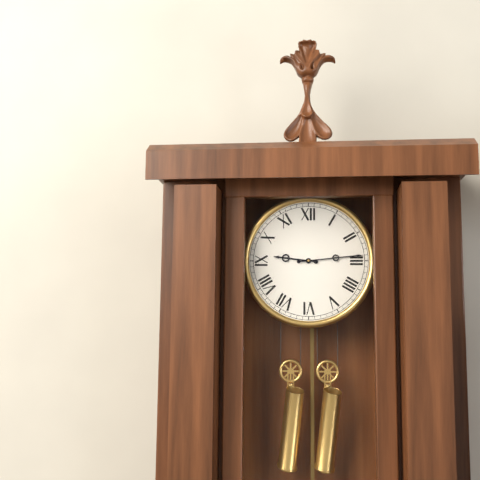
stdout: **9:14**
